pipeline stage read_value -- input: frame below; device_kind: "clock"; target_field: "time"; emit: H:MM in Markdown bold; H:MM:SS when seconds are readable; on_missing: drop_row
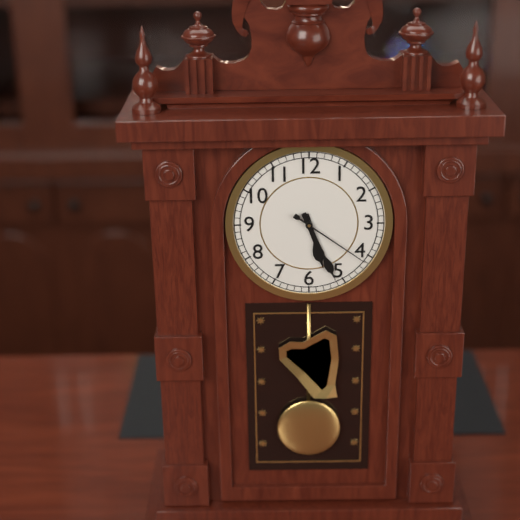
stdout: **5:26:21**
